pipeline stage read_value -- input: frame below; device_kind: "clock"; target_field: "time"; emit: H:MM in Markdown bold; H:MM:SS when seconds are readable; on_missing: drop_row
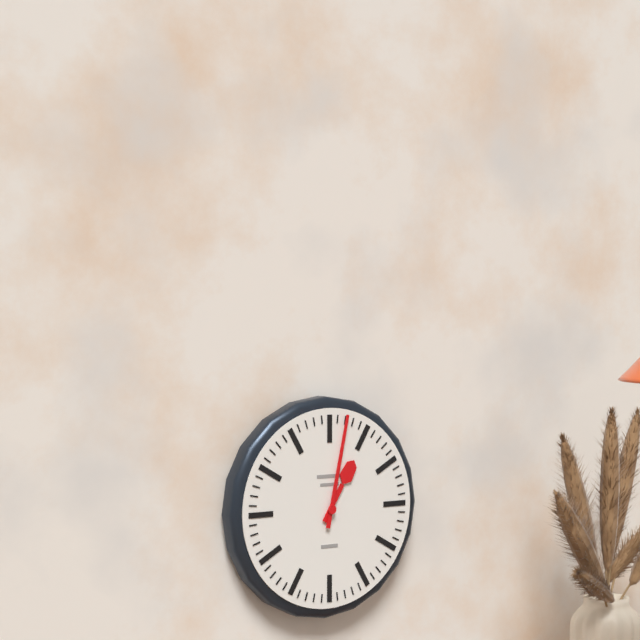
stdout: **1:02**
